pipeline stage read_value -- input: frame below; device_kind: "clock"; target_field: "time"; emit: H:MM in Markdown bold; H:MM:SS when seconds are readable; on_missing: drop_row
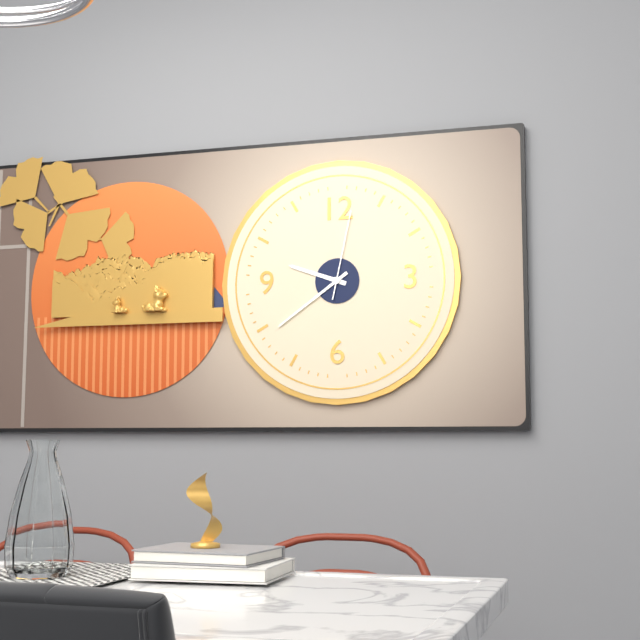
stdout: **9:39:02**
